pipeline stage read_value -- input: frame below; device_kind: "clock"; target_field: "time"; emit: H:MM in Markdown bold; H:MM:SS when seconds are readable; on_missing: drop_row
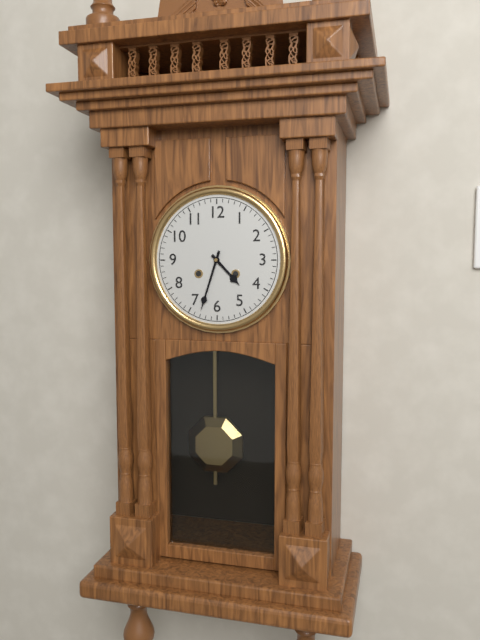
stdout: **4:33**
